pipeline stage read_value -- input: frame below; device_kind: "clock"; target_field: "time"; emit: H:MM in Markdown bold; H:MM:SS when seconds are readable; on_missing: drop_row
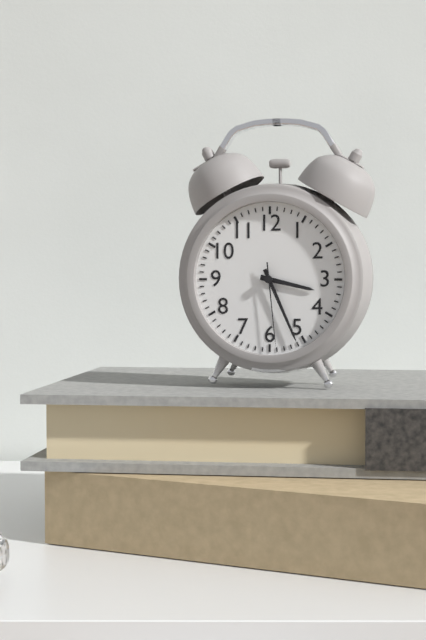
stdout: **3:26:29**
